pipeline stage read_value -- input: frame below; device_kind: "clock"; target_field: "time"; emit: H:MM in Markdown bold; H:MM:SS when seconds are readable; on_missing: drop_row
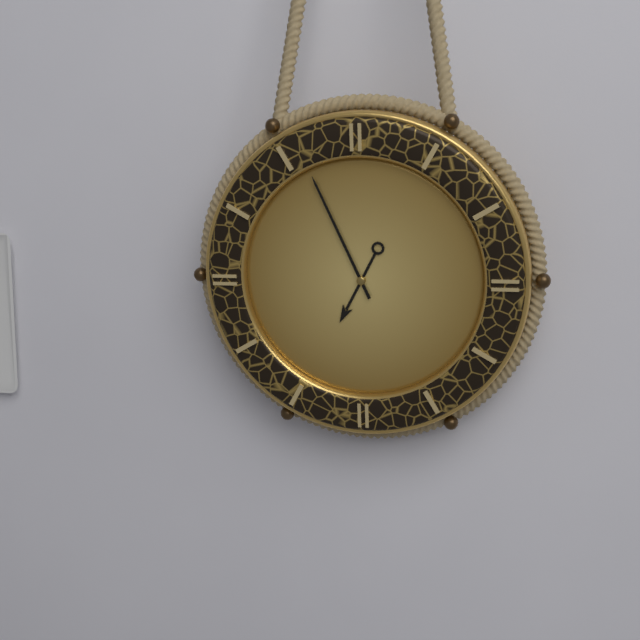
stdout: **6:56**
